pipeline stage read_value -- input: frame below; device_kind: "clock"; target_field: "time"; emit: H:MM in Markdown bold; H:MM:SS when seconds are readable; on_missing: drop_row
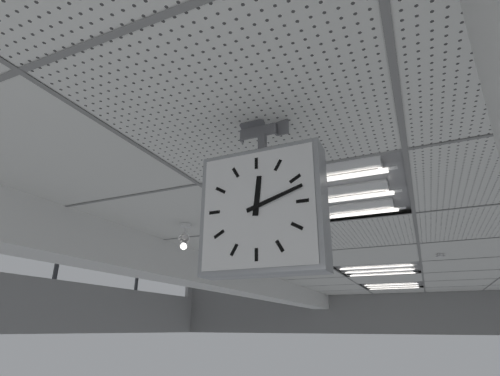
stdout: **12:12**
